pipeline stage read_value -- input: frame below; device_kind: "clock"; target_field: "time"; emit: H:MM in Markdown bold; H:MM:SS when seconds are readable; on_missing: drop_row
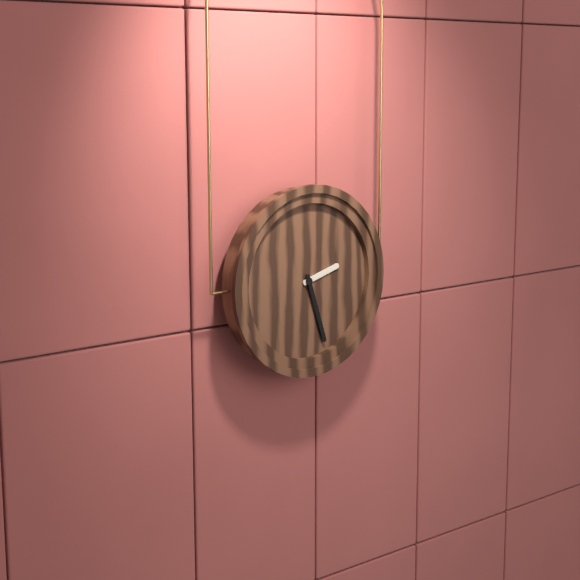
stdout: **2:27**
